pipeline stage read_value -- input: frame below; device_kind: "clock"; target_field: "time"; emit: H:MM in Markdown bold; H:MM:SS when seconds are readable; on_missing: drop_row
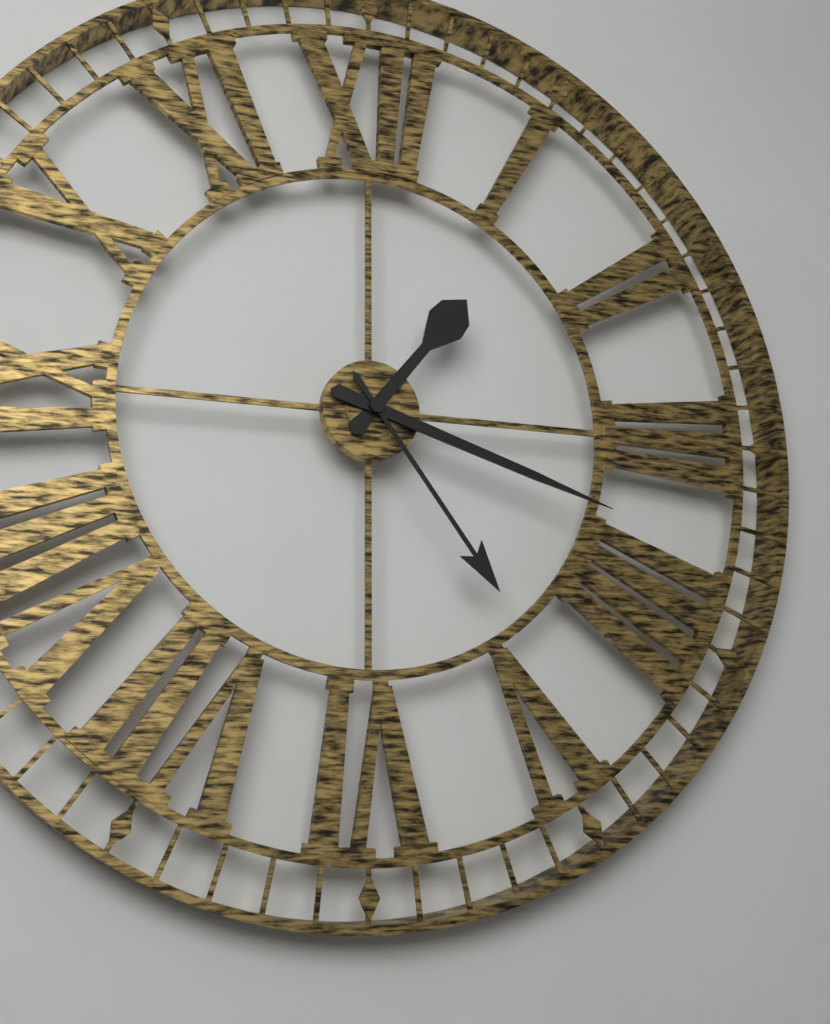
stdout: **1:18:24**
